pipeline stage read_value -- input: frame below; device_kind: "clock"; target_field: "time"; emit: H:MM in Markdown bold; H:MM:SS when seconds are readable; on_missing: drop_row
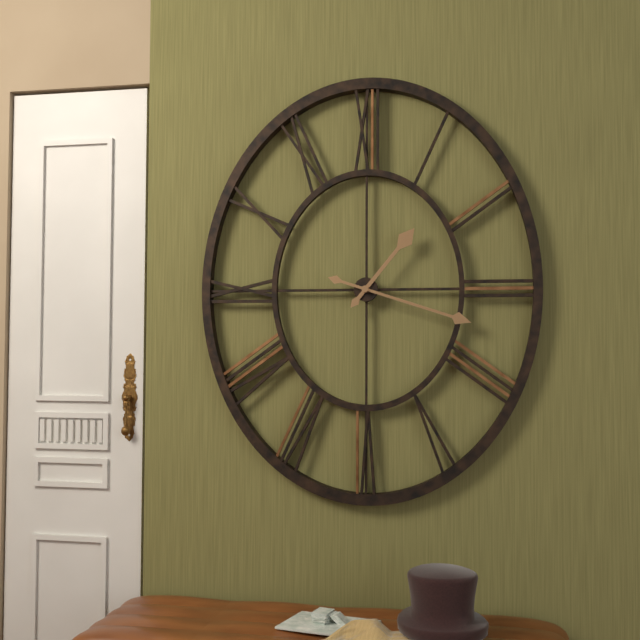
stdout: **1:18**
